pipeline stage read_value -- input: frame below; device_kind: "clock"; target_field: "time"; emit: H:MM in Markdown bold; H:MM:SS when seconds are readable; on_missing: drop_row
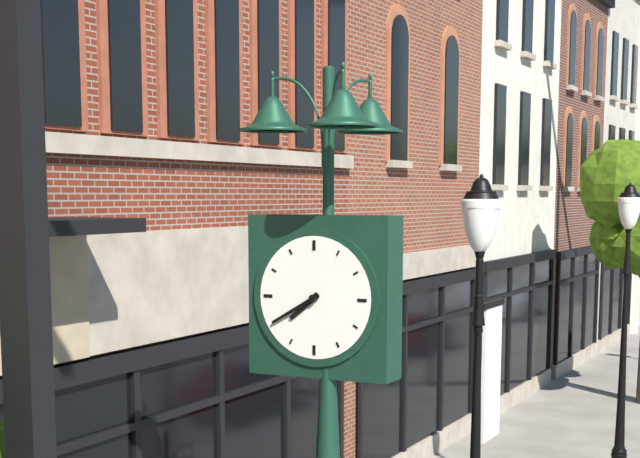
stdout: **7:40**
